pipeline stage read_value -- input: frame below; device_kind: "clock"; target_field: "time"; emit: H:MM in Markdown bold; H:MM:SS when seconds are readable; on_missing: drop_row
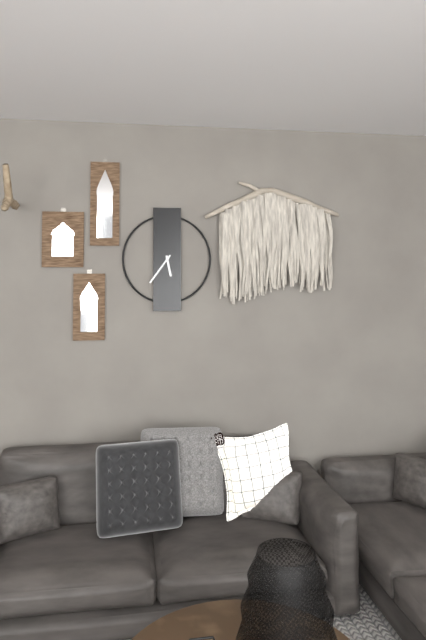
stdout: **5:36**
